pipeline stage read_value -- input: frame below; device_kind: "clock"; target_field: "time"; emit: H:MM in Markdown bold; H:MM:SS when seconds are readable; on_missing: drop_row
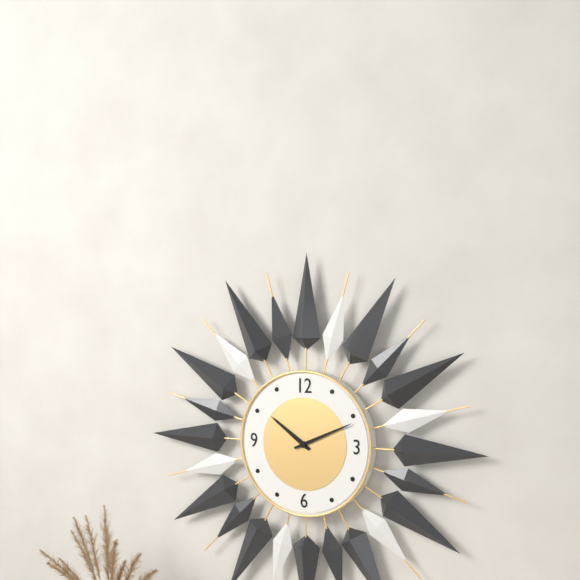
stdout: **10:11**
